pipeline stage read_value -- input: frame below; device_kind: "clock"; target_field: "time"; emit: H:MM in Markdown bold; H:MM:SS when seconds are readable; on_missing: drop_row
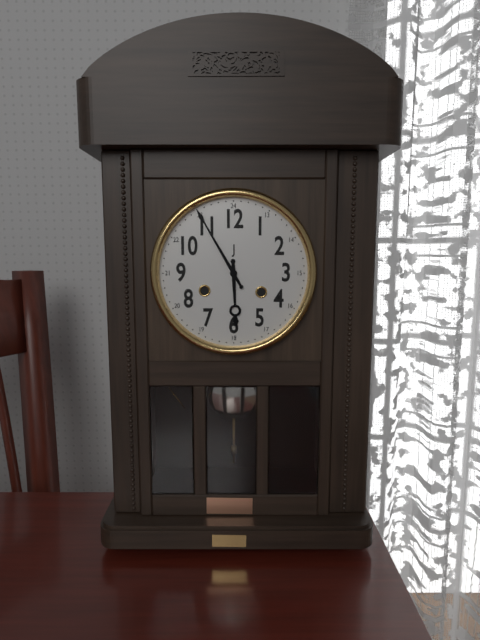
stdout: **5:55**
